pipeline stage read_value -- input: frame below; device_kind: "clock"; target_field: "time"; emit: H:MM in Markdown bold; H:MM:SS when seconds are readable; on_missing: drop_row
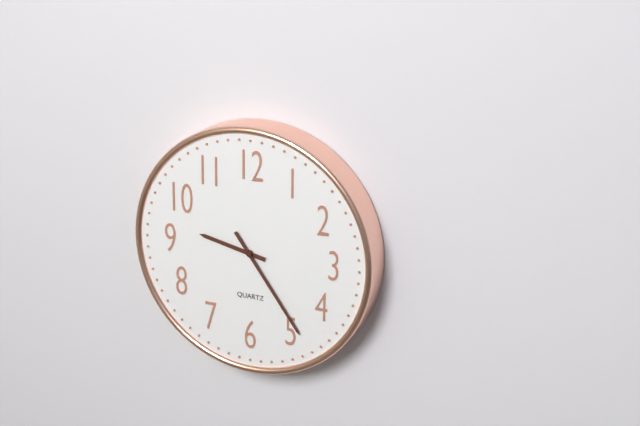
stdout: **9:24**
